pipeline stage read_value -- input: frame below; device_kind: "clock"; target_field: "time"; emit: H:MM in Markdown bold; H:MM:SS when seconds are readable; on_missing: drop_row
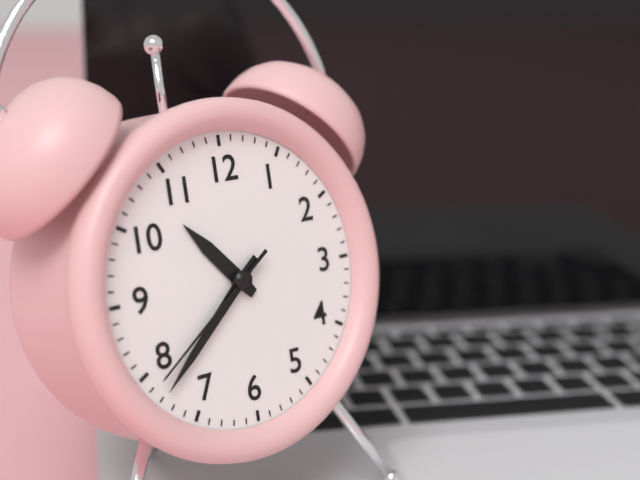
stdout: **10:38:39**
